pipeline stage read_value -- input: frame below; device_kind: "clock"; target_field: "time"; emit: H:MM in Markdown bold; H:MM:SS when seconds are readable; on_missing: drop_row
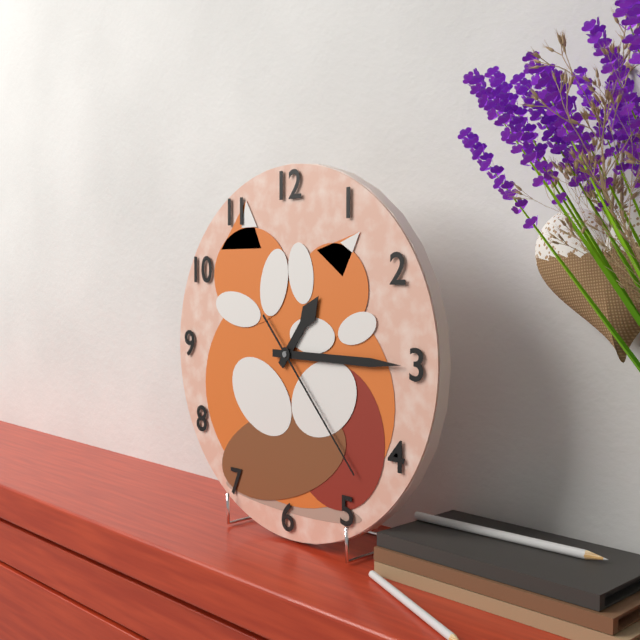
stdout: **1:15:23**
